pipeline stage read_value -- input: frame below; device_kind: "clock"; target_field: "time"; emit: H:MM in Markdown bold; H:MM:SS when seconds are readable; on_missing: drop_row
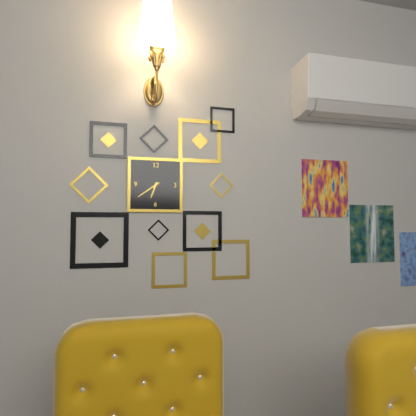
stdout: **6:39**
